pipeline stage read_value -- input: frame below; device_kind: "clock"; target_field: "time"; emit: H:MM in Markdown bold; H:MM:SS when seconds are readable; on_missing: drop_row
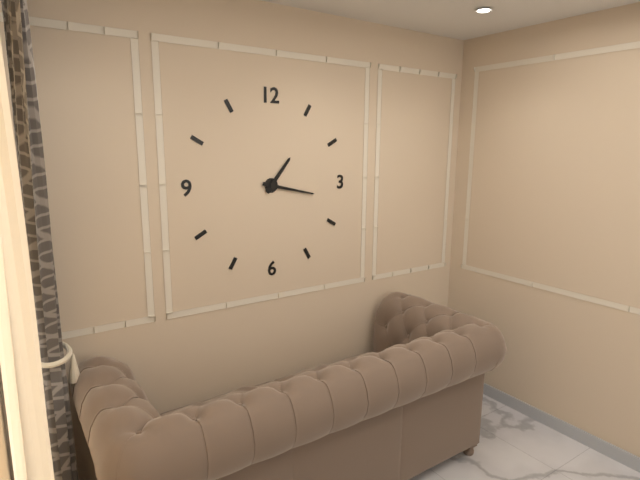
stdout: **1:17**
